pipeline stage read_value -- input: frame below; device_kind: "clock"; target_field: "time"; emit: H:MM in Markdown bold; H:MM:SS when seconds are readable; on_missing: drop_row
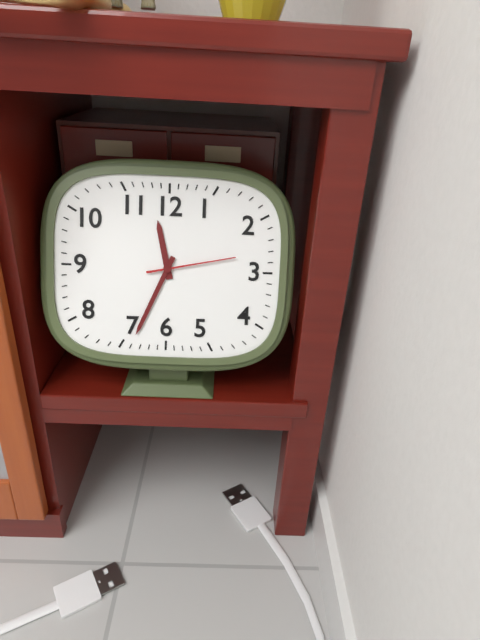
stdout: **11:34:13**
